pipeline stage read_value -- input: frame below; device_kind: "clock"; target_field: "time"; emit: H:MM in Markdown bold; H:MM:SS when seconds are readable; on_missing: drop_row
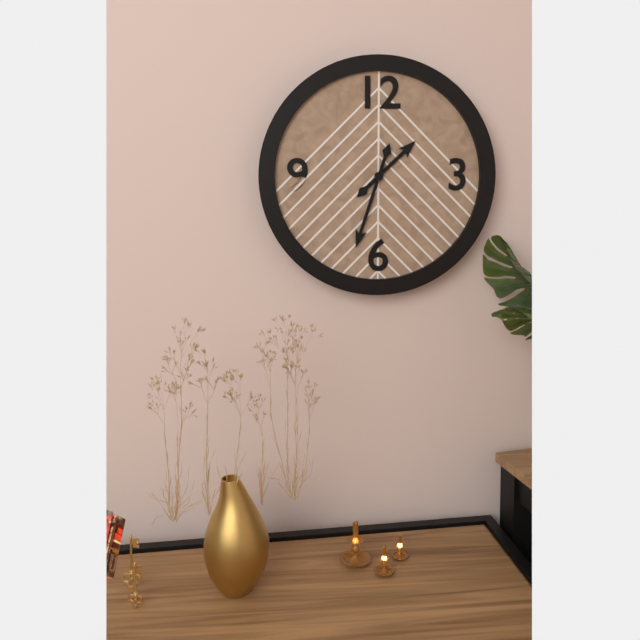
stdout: **1:33**
